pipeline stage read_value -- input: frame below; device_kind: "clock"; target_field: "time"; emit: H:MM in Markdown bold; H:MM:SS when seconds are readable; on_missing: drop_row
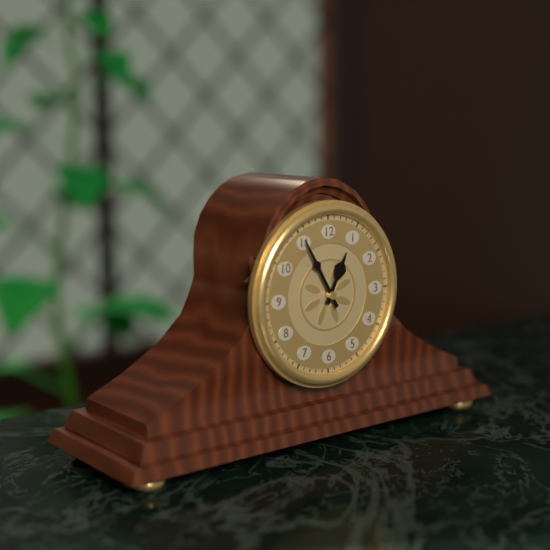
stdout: **12:55**
